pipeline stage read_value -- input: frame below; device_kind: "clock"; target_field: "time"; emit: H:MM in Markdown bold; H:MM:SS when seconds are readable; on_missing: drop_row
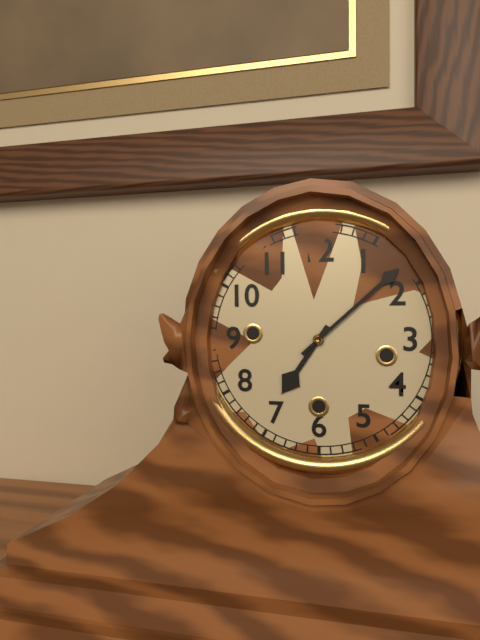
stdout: **7:08**
